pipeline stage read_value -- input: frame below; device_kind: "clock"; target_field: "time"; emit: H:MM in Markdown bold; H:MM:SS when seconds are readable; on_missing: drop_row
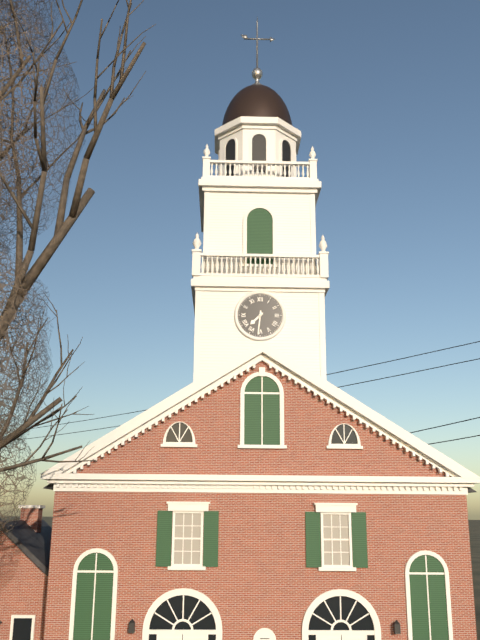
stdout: **7:31**
